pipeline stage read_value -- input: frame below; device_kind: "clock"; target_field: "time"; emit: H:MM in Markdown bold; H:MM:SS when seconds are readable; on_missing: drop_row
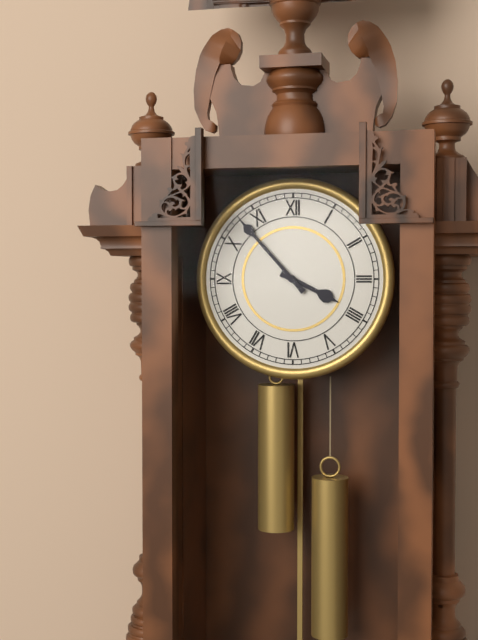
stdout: **3:53**
